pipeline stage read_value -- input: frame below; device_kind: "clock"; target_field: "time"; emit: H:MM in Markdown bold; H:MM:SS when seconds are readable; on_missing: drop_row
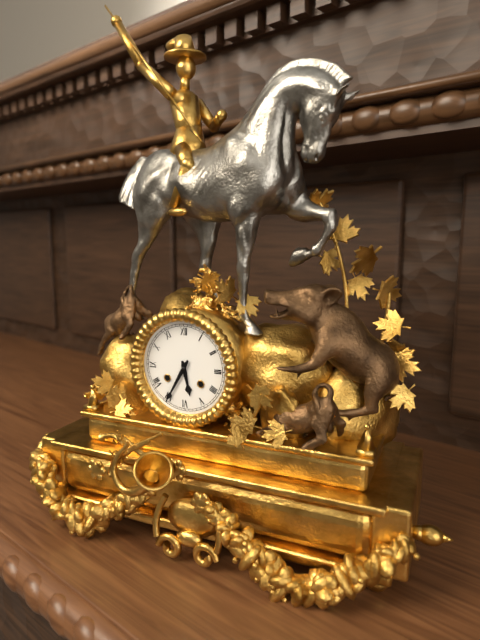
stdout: **5:35**
